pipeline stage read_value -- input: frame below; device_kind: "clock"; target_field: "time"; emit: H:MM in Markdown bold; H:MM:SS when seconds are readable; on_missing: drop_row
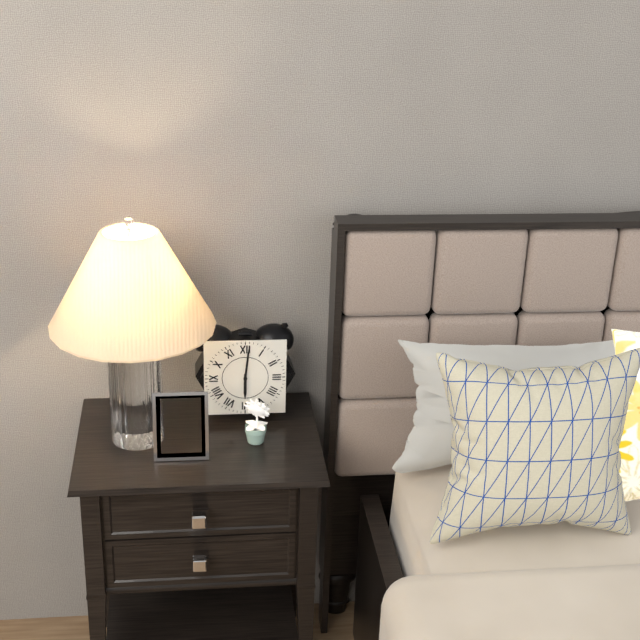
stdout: **6:01**
